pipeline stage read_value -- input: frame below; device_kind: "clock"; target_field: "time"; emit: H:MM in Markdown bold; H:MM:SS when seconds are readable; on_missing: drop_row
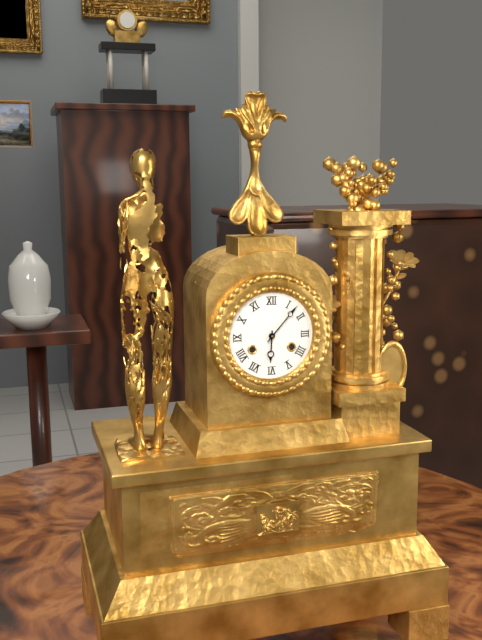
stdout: **6:07**
